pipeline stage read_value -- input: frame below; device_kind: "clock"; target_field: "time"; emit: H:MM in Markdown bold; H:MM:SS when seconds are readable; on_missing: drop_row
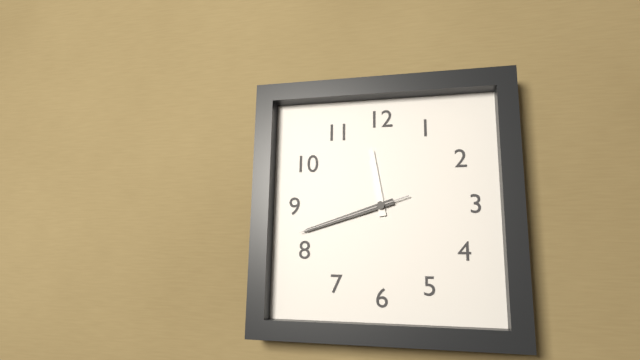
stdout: **11:42:42**
